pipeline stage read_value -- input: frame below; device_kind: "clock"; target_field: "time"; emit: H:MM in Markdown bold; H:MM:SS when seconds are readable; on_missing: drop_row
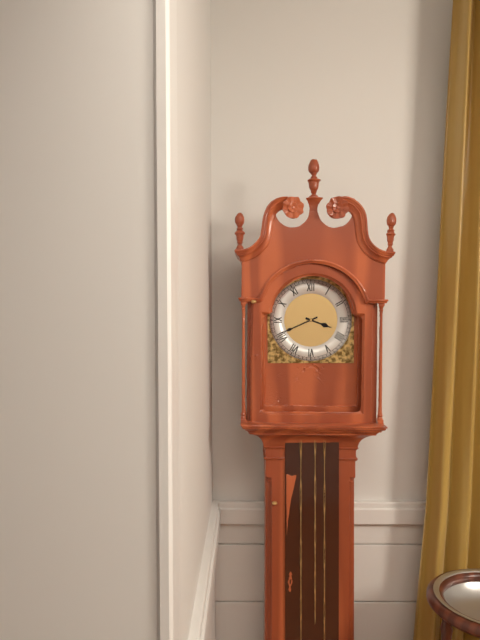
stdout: **3:41**
